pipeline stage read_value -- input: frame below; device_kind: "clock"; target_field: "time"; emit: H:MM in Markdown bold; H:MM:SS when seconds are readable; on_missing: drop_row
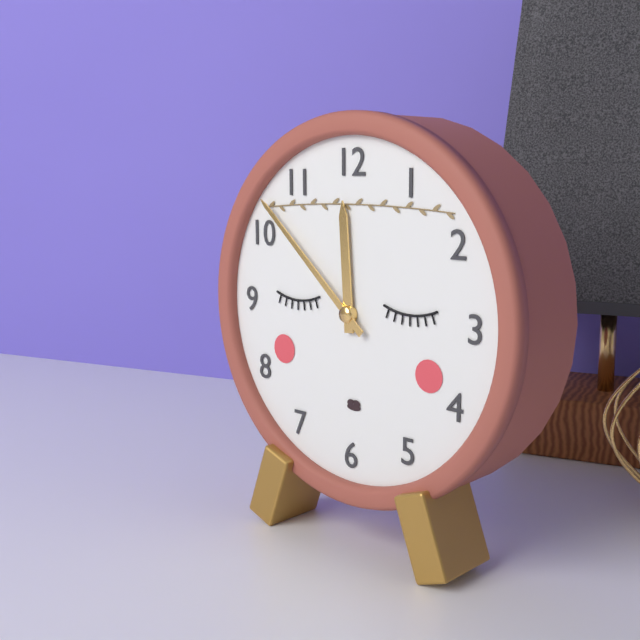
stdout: **11:52**
